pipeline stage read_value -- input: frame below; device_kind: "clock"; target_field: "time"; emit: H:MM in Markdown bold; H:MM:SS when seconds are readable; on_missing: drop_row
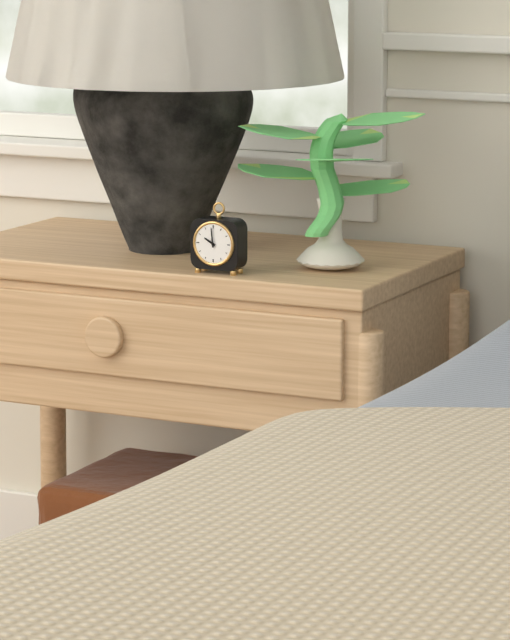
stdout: **9:59**
